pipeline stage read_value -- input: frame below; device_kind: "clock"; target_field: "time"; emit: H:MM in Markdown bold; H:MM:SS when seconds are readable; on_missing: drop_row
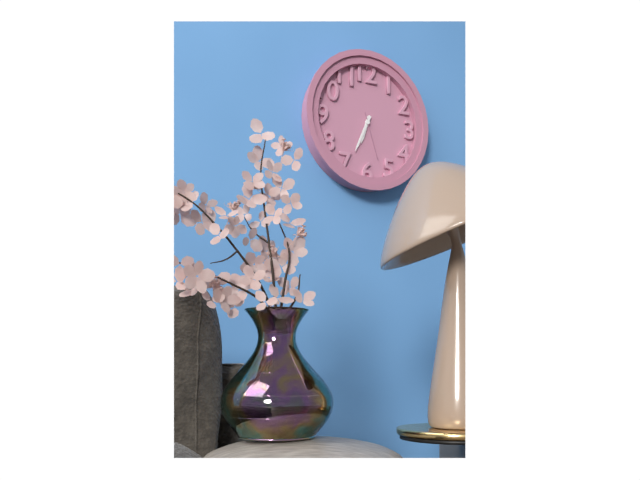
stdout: **6:34**
